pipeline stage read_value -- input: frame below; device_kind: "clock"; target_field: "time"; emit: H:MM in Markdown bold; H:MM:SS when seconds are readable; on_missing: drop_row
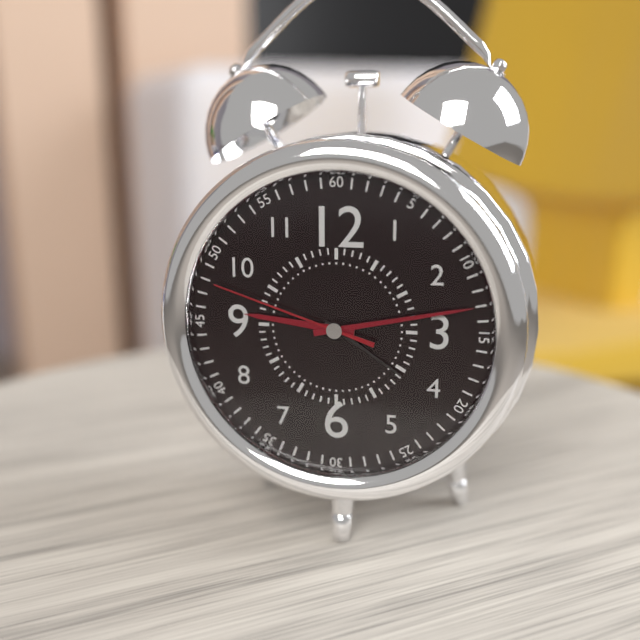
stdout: **9:13:48**
